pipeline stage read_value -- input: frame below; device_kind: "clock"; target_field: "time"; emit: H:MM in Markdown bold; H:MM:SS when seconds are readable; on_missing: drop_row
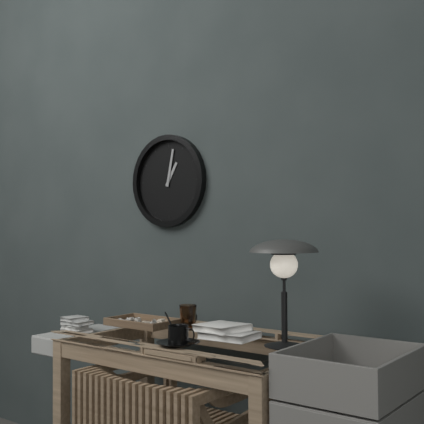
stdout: **1:02**
